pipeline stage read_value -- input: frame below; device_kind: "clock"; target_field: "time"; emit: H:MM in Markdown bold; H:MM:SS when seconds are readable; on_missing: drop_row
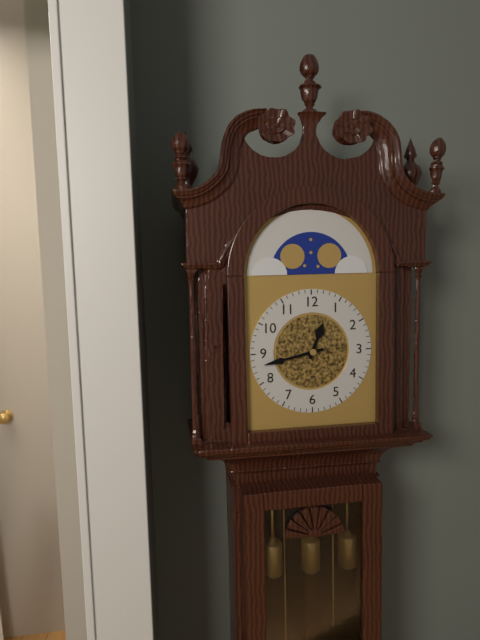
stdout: **12:43**
